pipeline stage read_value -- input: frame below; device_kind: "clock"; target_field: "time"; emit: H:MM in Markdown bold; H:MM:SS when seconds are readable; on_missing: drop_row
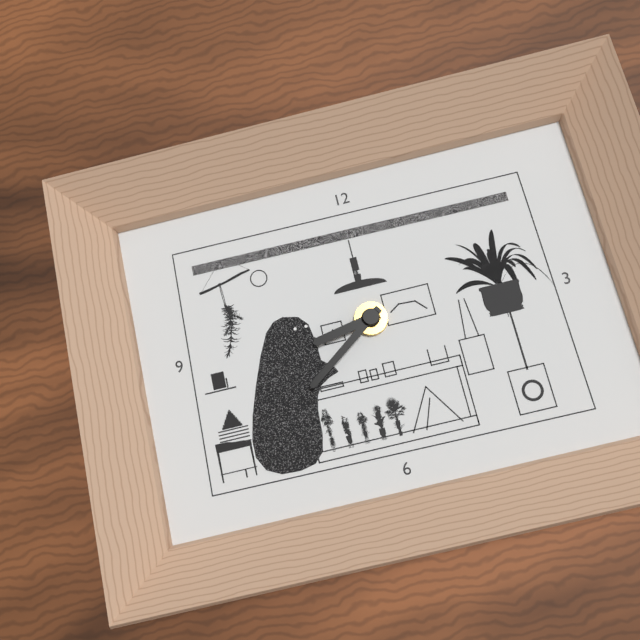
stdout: **8:39**
